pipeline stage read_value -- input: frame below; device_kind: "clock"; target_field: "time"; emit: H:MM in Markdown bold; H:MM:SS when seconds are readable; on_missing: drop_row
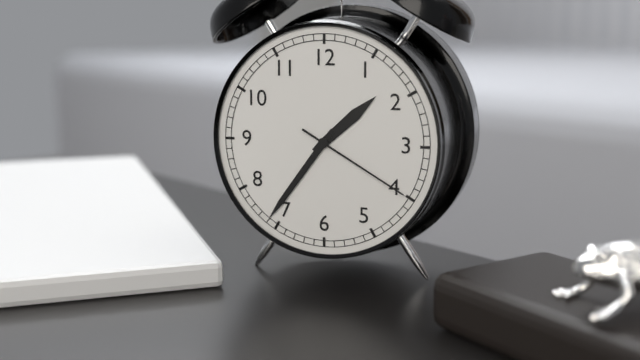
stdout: **1:36:20**
